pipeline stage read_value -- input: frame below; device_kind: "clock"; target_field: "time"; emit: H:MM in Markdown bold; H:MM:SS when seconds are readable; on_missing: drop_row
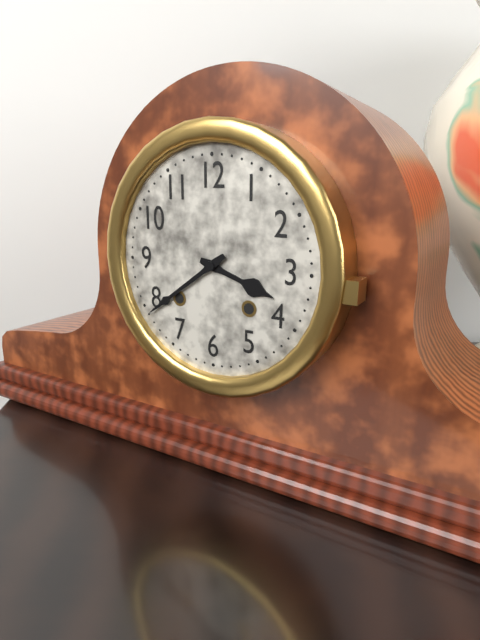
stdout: **3:39**
